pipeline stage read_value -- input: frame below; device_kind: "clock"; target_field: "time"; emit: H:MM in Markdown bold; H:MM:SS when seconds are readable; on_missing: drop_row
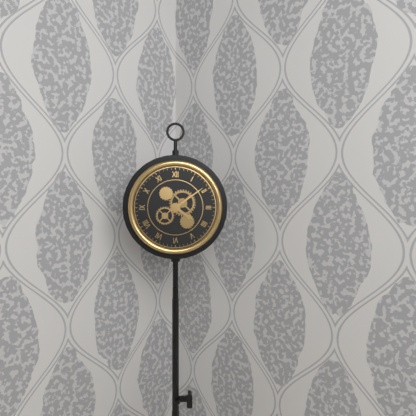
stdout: **4:09**
